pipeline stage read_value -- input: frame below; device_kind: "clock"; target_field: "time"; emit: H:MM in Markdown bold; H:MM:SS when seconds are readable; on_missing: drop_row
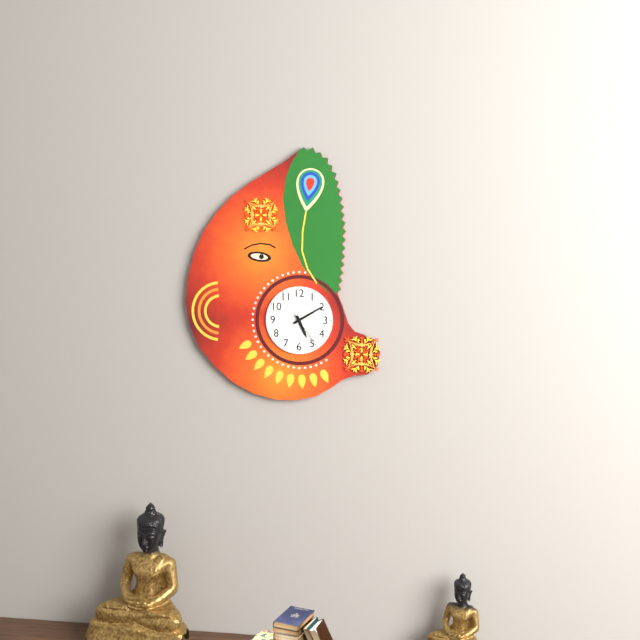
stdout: **5:10**
